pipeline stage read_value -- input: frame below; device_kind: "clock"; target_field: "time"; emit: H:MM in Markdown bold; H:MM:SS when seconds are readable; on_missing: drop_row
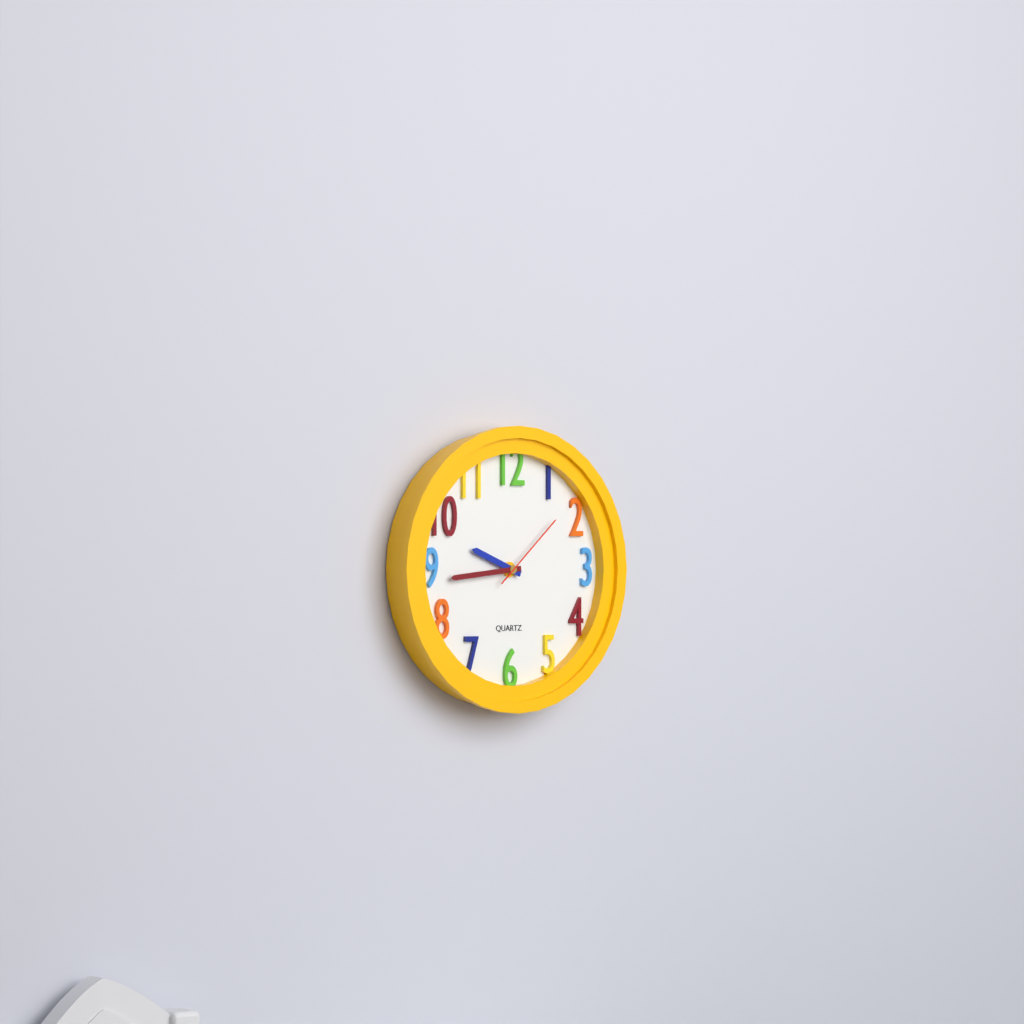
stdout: **9:44:08**
